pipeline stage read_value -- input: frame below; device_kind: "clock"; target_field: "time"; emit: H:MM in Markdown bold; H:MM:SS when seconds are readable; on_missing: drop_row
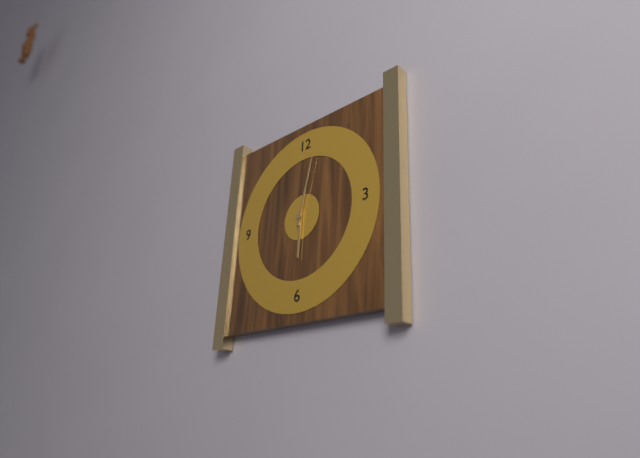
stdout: **6:02**
